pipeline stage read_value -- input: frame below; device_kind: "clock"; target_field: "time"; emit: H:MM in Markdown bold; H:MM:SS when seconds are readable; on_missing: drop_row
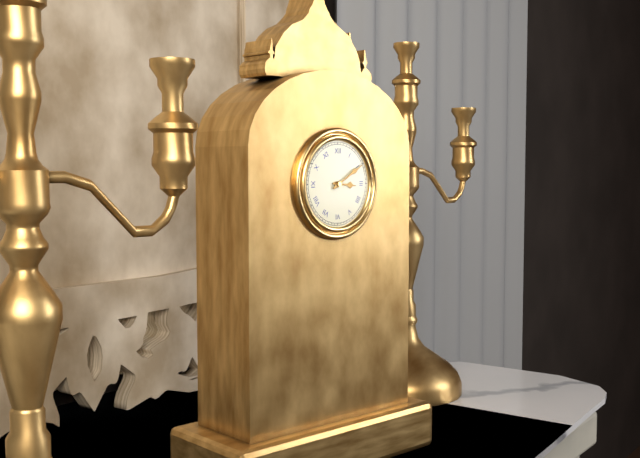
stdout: **3:10**
